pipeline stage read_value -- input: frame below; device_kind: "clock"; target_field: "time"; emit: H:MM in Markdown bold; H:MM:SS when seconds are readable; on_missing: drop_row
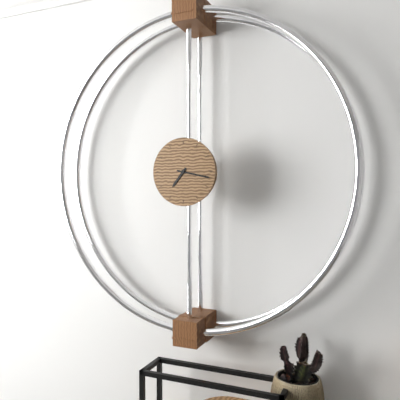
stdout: **7:17**
